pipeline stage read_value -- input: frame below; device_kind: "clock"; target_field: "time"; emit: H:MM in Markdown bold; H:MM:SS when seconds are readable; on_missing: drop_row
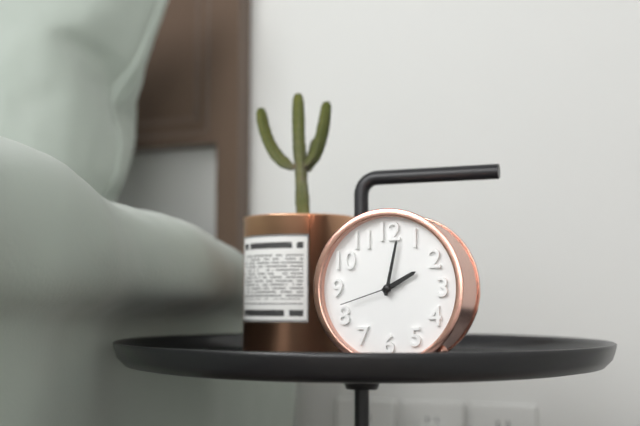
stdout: **2:02:42**
